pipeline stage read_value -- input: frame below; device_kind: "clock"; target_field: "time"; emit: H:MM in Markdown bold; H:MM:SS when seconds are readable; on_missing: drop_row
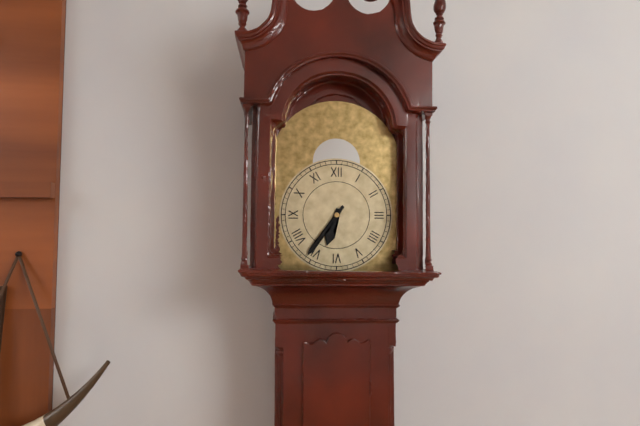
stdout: **6:36**
